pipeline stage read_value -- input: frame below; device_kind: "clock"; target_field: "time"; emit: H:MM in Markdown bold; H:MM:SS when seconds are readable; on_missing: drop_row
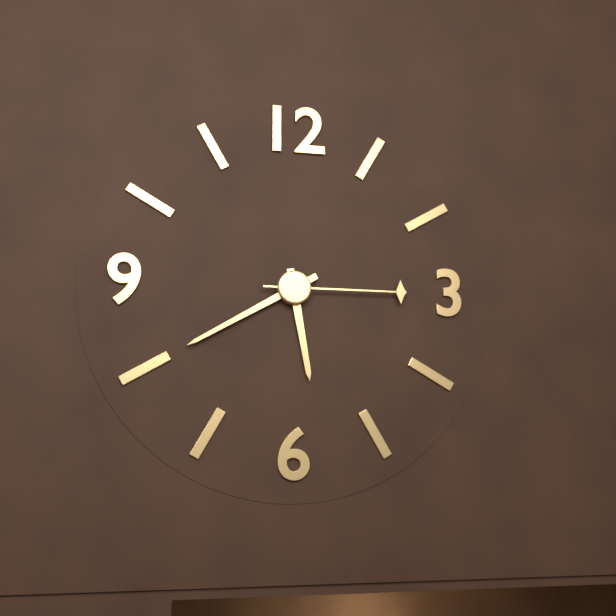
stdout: **5:40:15**
